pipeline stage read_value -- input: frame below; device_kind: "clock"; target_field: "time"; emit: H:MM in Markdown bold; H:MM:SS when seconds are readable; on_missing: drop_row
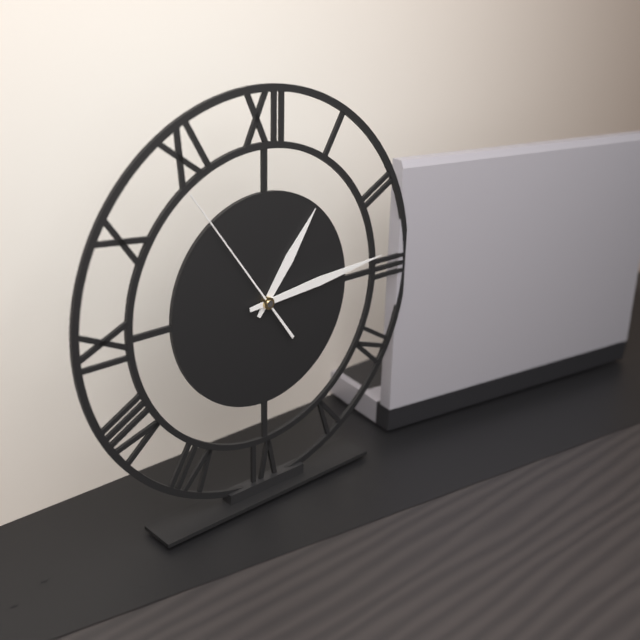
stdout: **1:14:54**
